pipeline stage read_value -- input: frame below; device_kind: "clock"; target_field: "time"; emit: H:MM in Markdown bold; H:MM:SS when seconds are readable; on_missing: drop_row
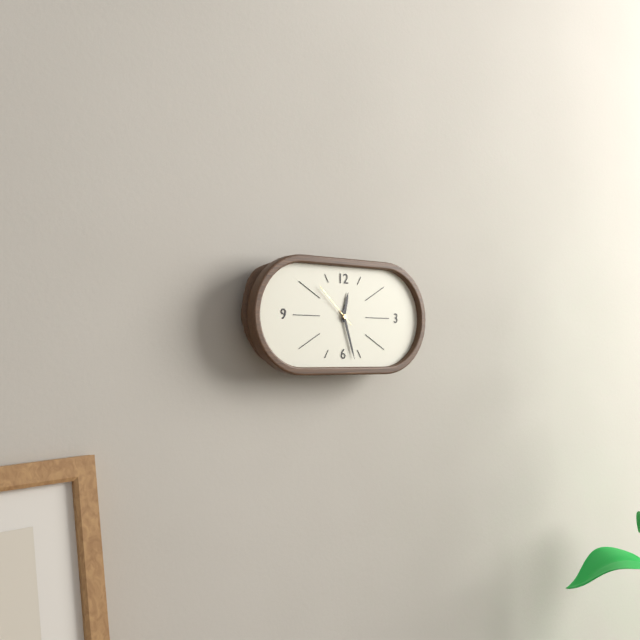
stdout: **12:27**
